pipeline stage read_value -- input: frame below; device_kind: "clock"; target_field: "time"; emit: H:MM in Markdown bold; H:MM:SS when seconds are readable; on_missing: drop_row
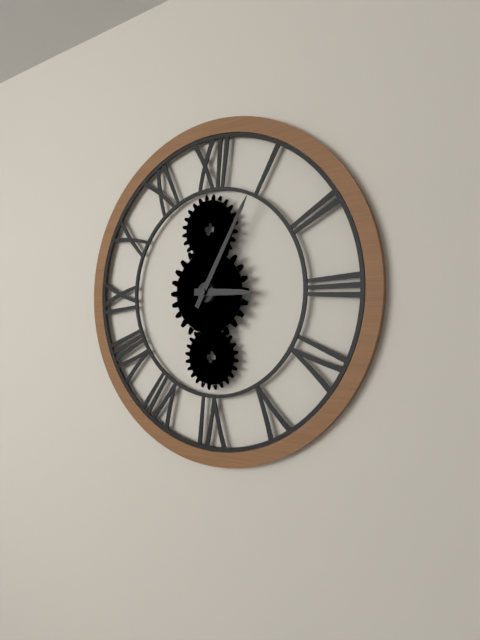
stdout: **3:05**
